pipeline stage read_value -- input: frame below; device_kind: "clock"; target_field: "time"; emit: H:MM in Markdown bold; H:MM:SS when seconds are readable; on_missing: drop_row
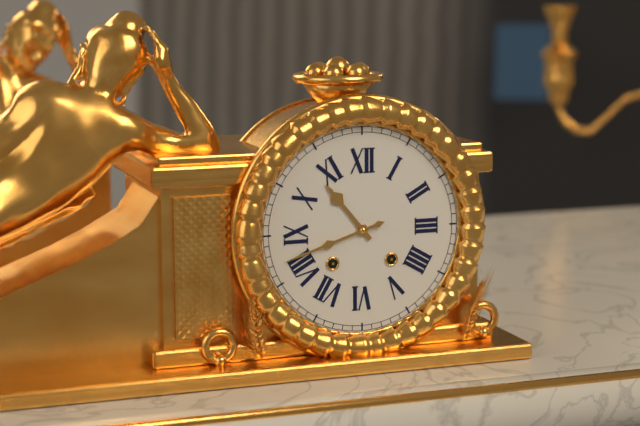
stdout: **10:42**
